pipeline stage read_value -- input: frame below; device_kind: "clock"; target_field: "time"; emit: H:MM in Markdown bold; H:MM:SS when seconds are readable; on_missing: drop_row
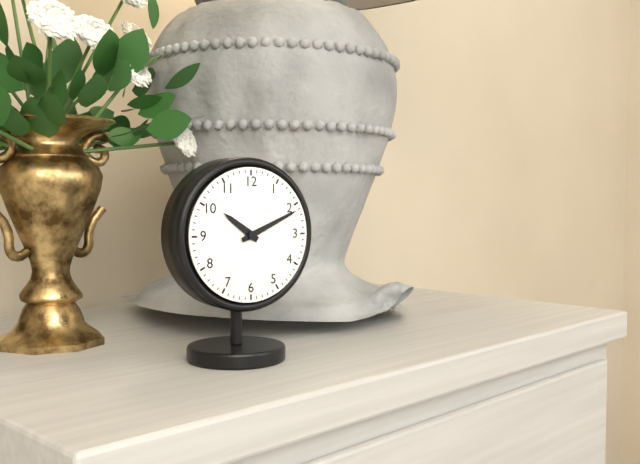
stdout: **10:11**
